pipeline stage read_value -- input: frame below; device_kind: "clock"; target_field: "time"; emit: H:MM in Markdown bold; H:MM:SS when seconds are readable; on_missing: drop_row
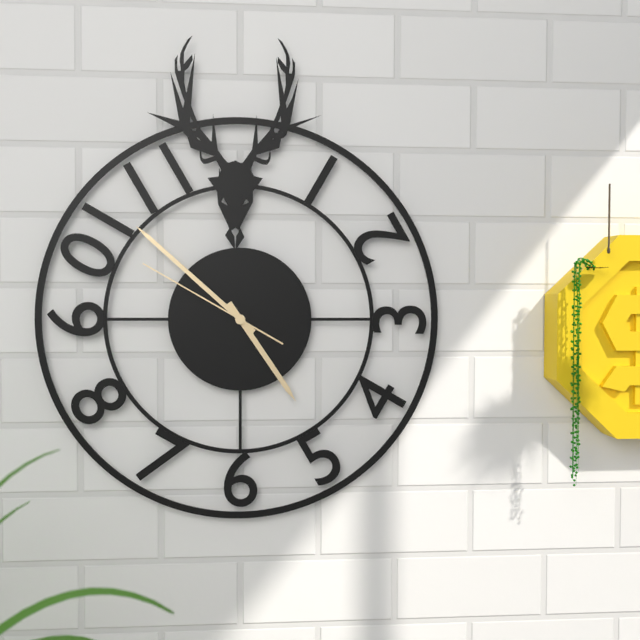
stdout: **4:52:50**
